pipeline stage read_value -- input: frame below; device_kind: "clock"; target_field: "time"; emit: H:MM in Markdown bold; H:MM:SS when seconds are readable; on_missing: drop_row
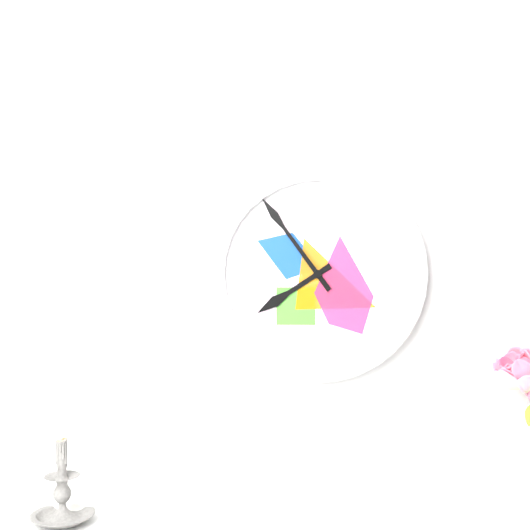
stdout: **7:54**
